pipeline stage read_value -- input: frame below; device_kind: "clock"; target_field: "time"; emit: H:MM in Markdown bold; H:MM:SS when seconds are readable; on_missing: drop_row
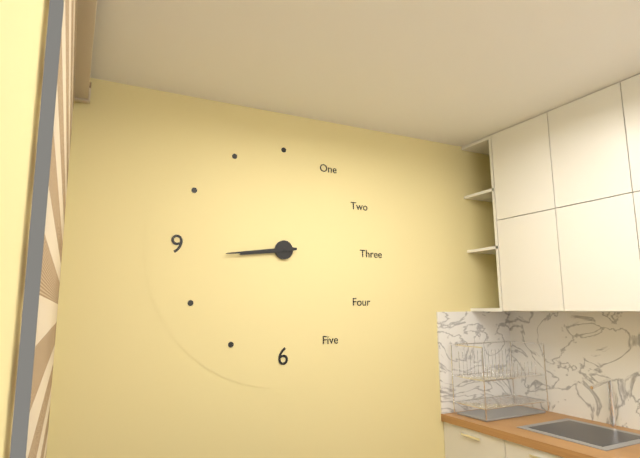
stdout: **8:44**
